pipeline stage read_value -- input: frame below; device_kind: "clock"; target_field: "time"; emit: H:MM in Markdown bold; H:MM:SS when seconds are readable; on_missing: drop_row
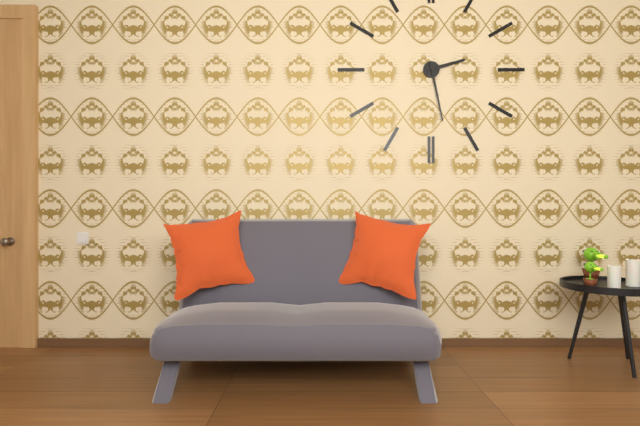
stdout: **2:28**
